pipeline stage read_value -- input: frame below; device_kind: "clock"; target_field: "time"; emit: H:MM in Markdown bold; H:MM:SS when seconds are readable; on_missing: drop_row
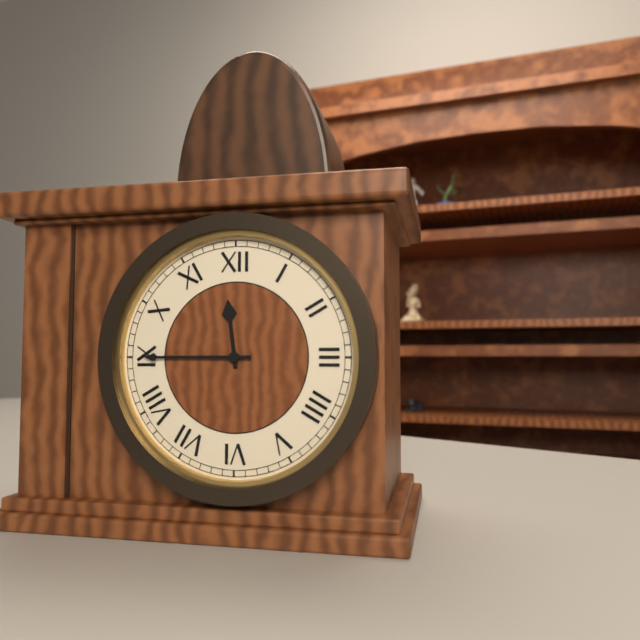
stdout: **11:45**
